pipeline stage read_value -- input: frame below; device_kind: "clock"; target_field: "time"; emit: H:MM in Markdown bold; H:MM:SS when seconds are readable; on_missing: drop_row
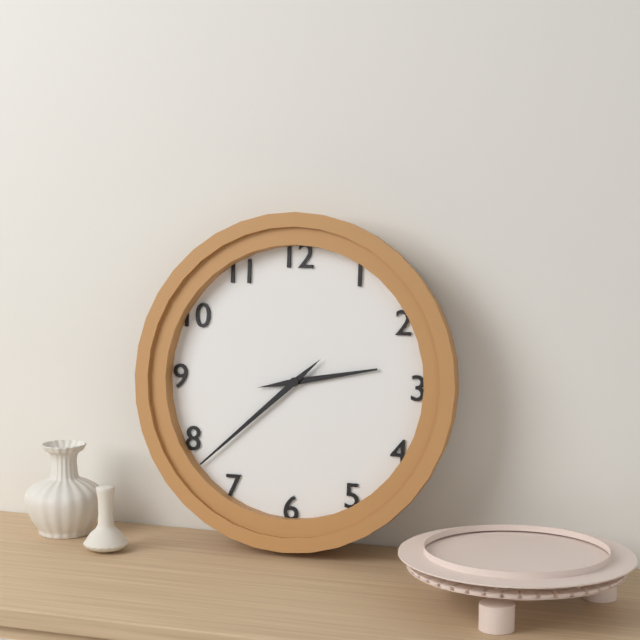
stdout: **2:38**
